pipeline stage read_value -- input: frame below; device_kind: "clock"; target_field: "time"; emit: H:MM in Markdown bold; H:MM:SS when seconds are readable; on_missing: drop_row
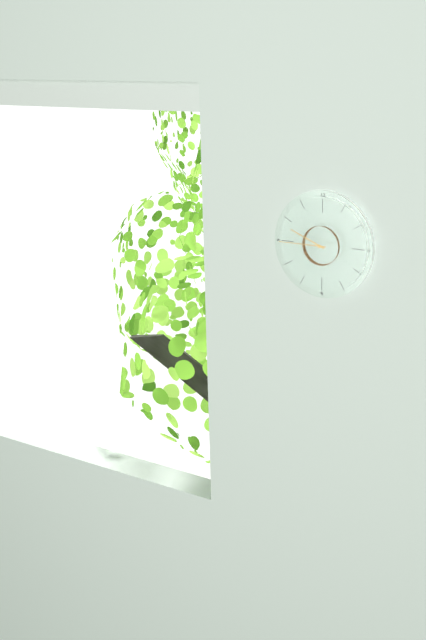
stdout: **9:45**
